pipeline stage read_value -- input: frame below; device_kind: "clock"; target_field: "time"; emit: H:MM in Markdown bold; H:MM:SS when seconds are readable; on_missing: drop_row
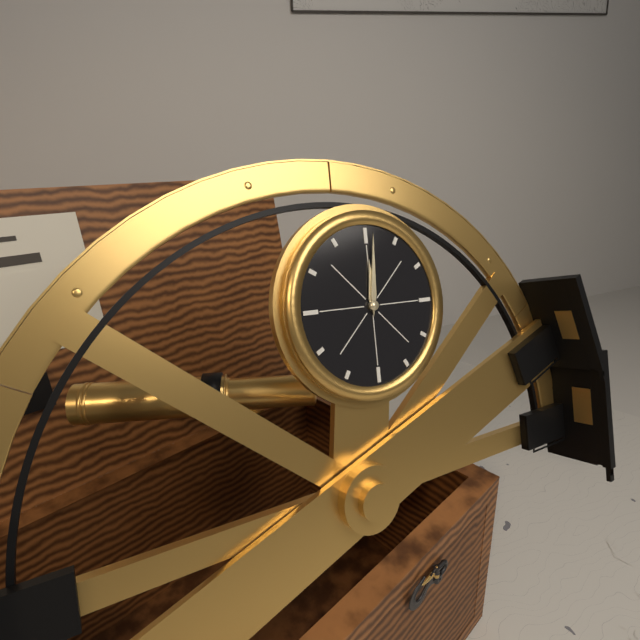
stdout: **12:01**
